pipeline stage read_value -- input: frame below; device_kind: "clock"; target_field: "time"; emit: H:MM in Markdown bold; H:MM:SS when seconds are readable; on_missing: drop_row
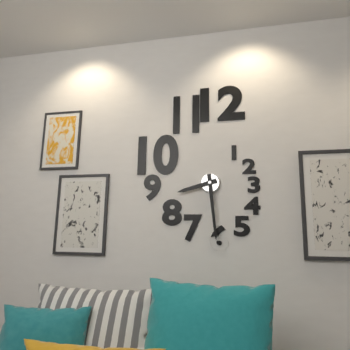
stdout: **8:29**
